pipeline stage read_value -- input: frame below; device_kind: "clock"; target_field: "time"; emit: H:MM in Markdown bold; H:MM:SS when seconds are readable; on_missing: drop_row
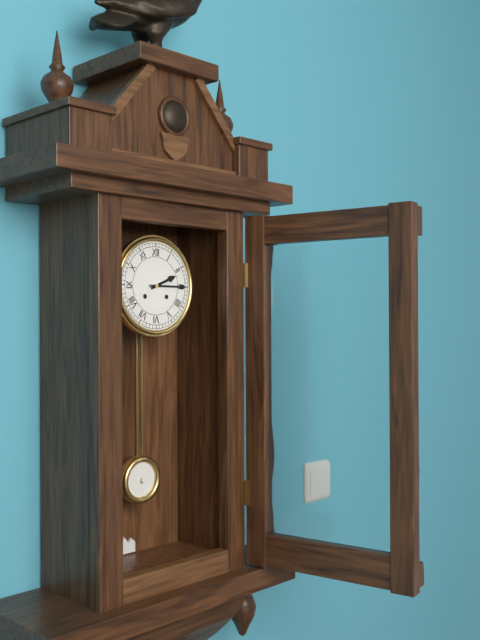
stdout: **2:15**
